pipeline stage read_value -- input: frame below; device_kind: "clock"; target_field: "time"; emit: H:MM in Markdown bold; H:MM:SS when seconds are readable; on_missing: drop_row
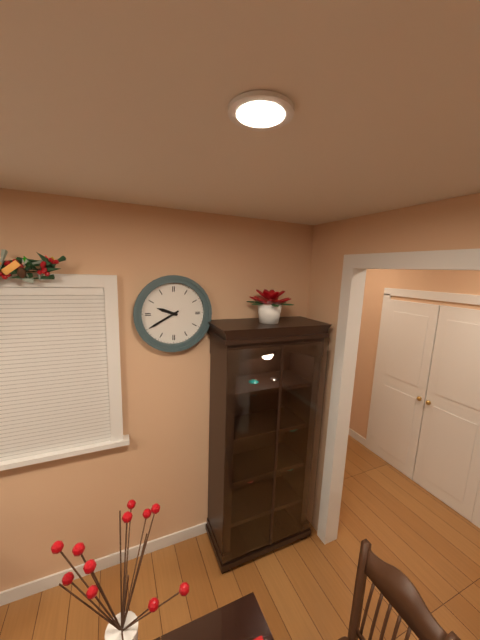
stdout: **9:40**
